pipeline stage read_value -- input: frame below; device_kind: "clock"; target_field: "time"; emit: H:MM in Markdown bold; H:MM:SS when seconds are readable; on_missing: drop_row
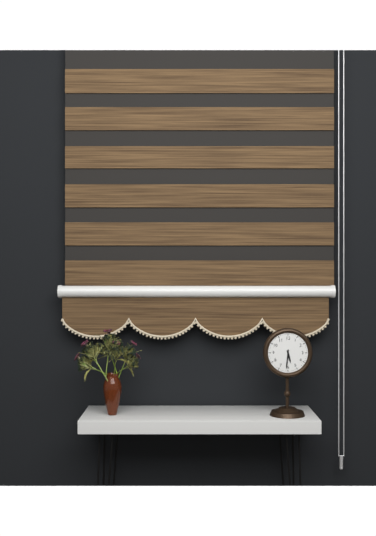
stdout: **5:31**
